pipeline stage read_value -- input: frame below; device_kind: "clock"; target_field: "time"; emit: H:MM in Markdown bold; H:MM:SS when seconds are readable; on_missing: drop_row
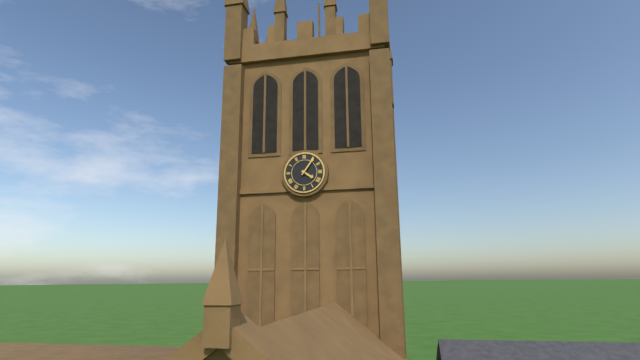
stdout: **4:06**
